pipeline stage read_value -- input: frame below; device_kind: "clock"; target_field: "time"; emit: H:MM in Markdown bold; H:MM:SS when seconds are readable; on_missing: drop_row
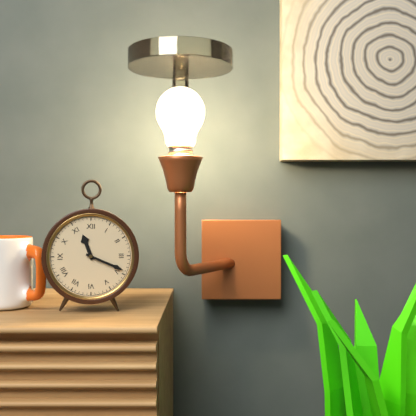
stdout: **11:19**
